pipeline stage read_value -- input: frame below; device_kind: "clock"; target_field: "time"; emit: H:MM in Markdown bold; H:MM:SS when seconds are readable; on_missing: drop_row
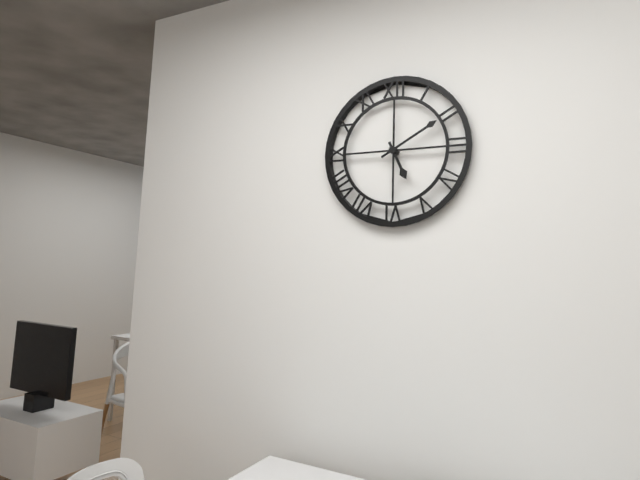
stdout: **5:10**
